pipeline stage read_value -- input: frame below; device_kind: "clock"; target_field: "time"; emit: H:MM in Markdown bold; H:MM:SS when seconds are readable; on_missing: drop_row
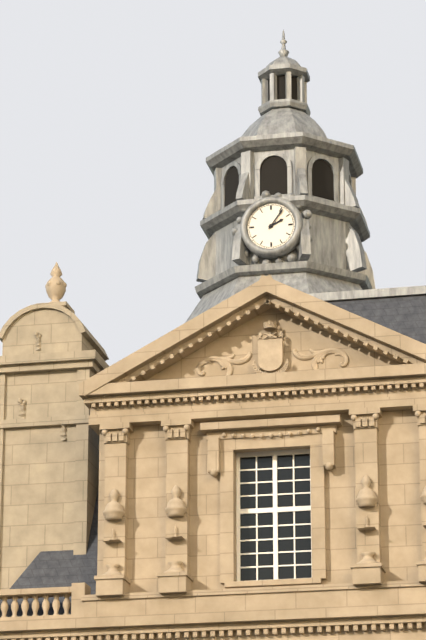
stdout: **2:06**
